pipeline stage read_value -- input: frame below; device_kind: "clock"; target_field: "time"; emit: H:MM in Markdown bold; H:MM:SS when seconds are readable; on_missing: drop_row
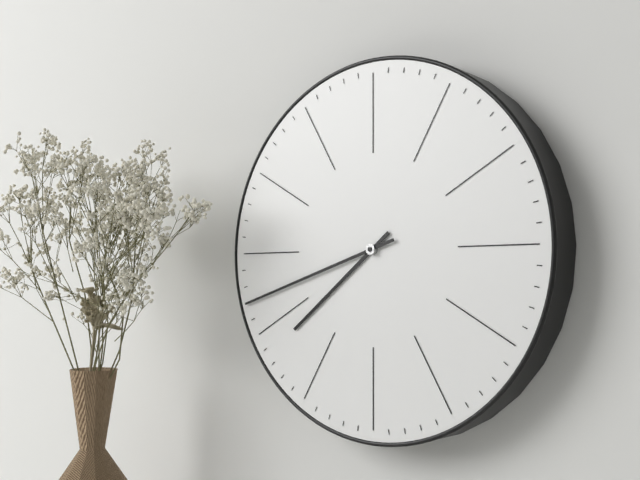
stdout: **7:42**
